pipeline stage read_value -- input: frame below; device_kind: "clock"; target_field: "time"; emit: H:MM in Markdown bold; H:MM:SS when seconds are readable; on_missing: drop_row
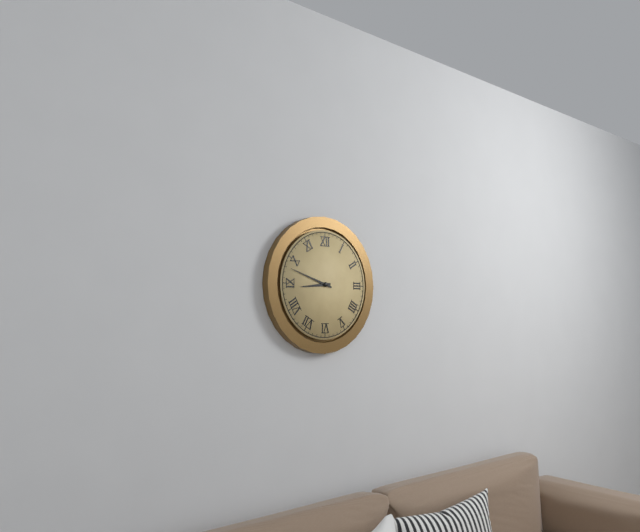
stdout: **8:48**
